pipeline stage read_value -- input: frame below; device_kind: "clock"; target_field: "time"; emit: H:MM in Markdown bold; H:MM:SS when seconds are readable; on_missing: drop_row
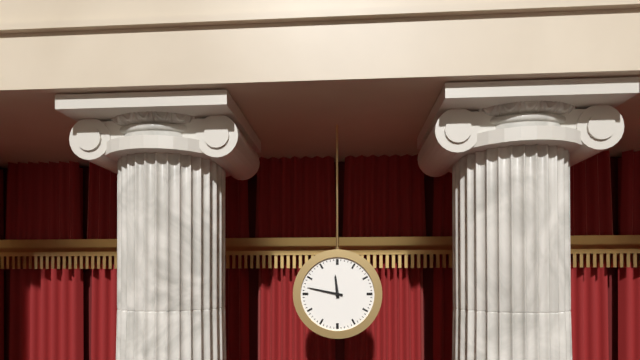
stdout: **11:47**
